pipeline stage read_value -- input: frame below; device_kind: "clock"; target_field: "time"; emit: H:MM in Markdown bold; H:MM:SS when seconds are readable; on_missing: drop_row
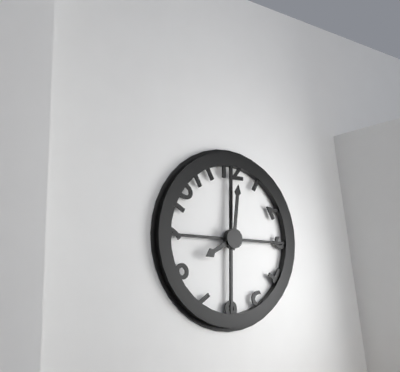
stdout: **8:01**
